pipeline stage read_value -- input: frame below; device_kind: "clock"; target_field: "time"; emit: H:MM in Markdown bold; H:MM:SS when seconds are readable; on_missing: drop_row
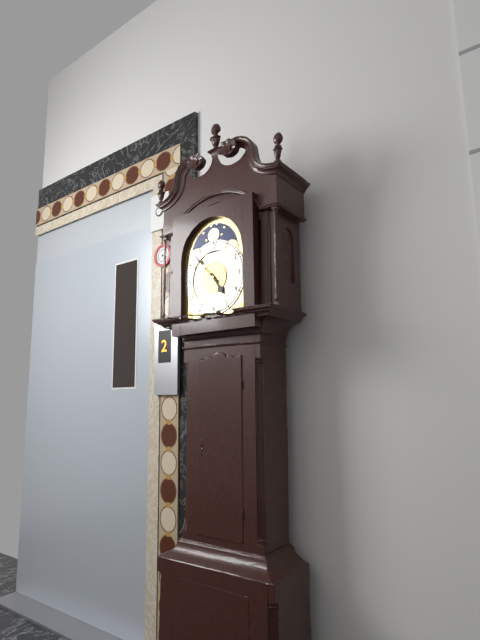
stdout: **4:53**
